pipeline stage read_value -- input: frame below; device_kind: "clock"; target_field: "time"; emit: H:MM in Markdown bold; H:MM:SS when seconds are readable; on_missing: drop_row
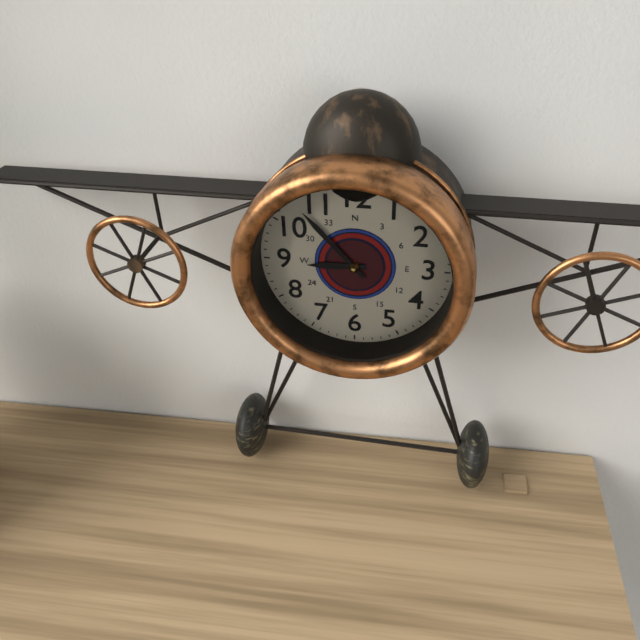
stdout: **8:53**
